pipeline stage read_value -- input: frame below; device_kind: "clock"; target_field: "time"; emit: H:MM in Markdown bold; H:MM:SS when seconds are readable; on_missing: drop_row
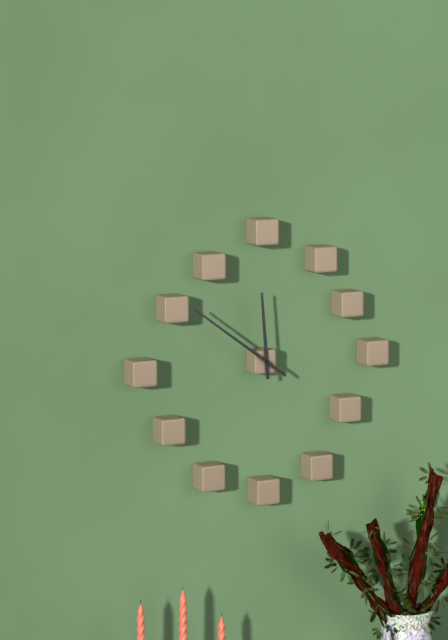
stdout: **11:51**
